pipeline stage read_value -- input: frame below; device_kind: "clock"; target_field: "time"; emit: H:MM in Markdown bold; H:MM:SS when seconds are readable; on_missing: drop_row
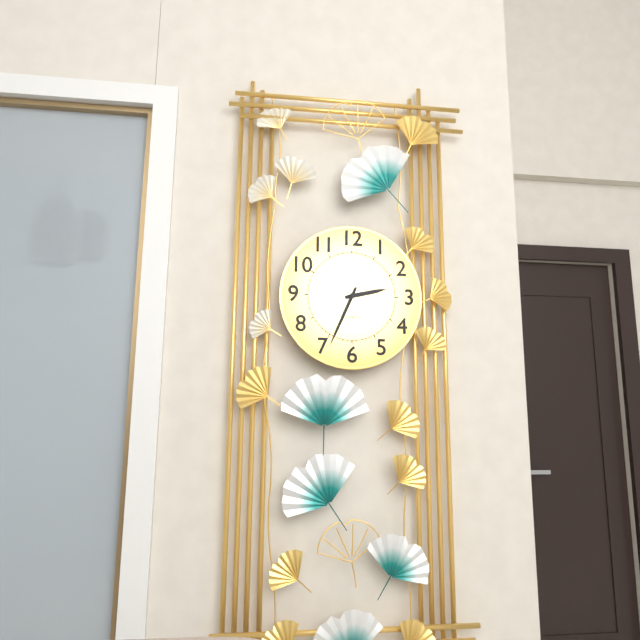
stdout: **2:34**
